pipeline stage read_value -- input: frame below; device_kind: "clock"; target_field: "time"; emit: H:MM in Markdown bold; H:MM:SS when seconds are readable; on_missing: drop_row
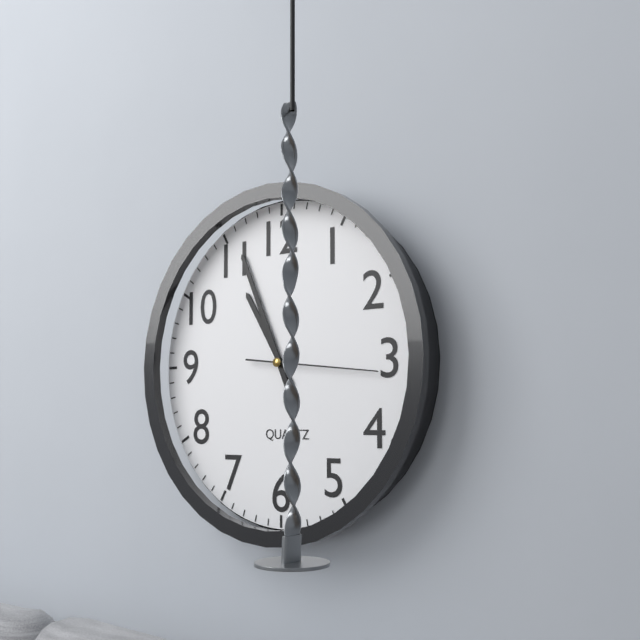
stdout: **10:56:16**
